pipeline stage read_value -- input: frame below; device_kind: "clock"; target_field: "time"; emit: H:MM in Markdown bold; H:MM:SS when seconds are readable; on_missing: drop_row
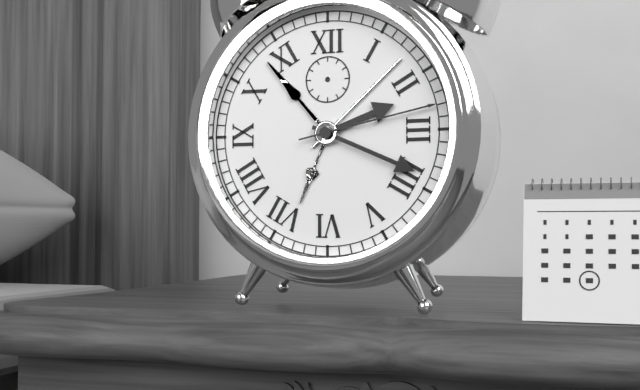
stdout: **2:19:13**
